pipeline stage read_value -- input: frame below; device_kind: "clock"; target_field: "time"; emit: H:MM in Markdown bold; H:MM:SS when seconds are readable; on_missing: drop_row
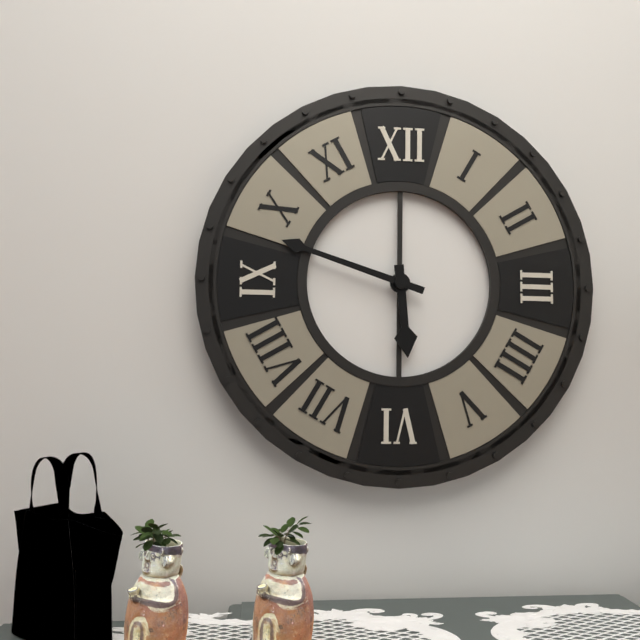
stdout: **5:48**
